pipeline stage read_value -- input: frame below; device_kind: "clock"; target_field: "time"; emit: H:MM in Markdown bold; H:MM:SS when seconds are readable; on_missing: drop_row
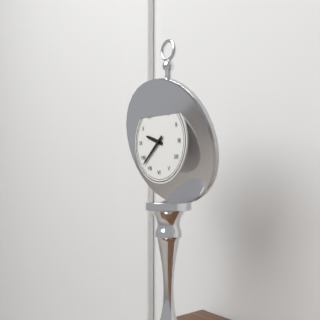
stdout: **9:38**
